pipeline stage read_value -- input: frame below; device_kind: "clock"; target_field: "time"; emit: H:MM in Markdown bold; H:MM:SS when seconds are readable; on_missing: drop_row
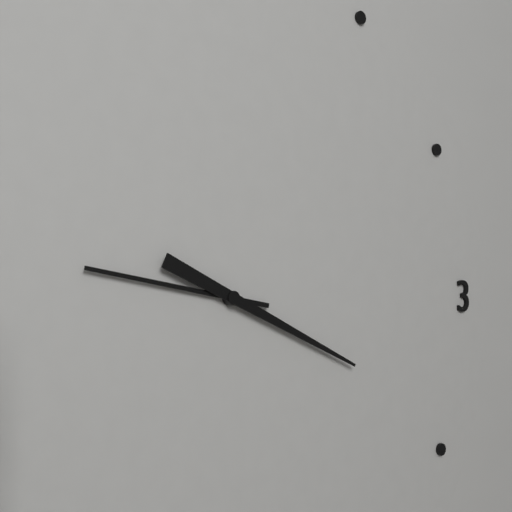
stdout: **9:19**
